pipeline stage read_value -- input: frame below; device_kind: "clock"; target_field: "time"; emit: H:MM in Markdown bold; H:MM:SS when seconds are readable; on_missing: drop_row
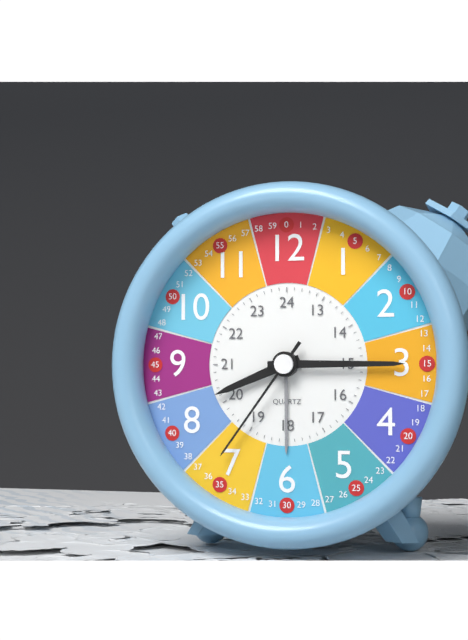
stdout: **8:15:36**
